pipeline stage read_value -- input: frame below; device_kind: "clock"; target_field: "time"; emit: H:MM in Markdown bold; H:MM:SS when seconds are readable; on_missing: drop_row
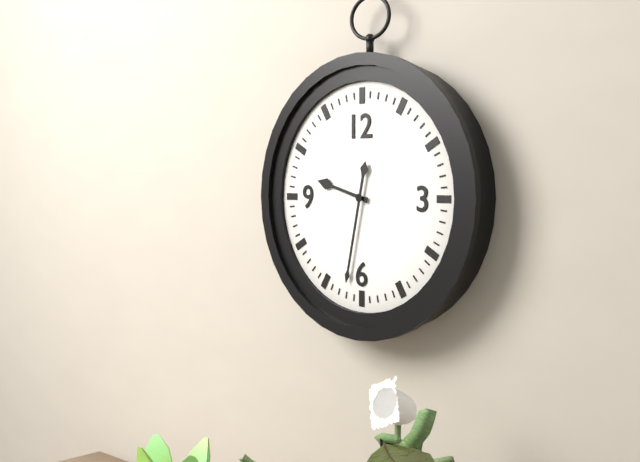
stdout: **9:32**
